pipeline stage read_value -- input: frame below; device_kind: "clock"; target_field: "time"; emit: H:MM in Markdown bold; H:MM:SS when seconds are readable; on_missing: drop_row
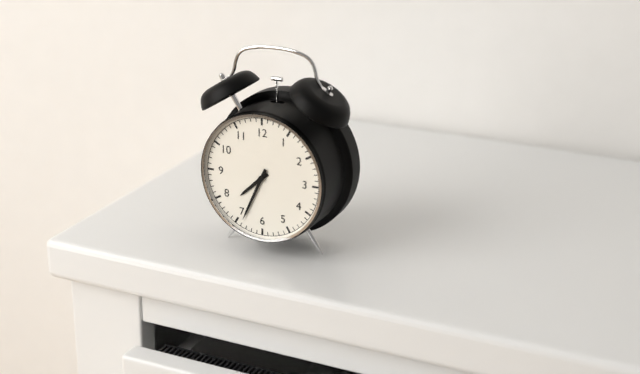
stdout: **7:34**
